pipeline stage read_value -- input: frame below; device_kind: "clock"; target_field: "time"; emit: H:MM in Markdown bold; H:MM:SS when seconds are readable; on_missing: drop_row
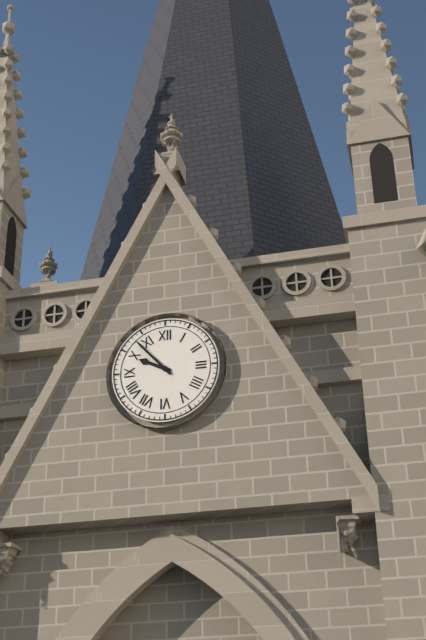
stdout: **9:53**
